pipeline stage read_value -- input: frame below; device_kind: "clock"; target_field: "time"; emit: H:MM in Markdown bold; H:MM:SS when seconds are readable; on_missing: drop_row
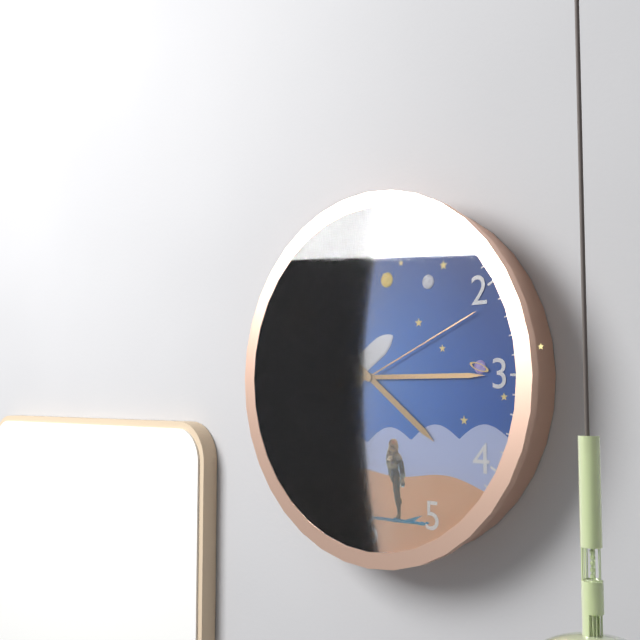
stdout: **4:15:11**
